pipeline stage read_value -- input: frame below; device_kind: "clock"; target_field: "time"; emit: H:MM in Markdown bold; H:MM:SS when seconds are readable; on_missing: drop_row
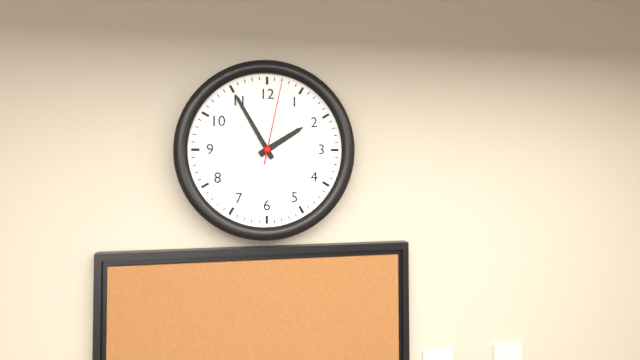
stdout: **1:55:02**
